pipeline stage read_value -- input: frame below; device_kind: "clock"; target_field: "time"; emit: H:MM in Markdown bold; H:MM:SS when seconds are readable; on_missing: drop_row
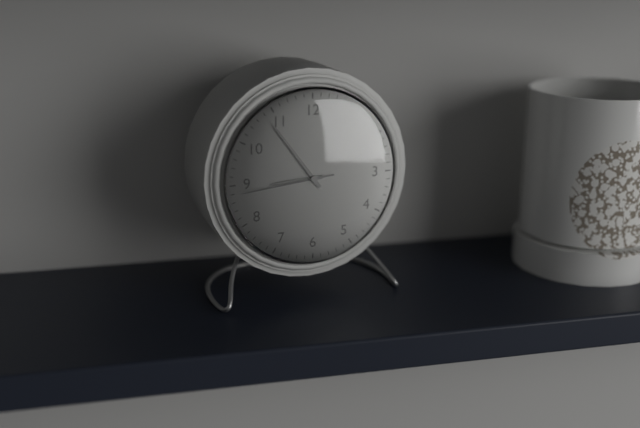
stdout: **8:54:44**
